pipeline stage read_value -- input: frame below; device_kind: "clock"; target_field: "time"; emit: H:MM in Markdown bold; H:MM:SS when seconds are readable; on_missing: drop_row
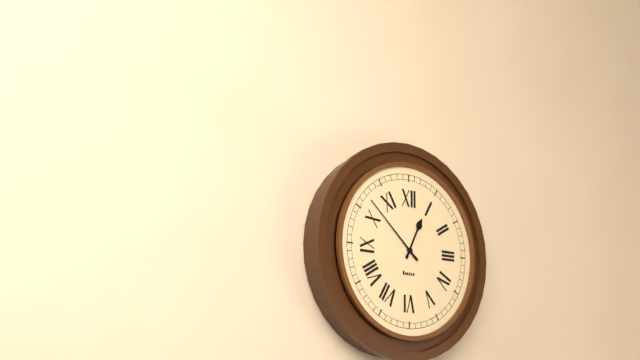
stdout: **12:52**
